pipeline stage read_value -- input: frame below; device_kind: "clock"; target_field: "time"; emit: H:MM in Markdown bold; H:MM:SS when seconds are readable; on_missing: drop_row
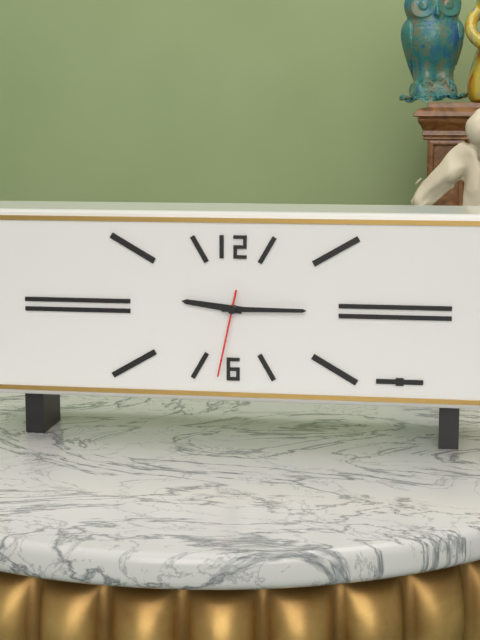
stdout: **9:15:32**
